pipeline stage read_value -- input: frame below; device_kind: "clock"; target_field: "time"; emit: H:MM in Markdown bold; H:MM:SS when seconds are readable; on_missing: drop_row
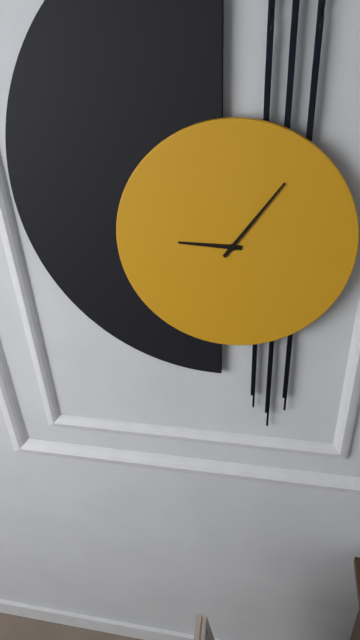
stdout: **9:06**
